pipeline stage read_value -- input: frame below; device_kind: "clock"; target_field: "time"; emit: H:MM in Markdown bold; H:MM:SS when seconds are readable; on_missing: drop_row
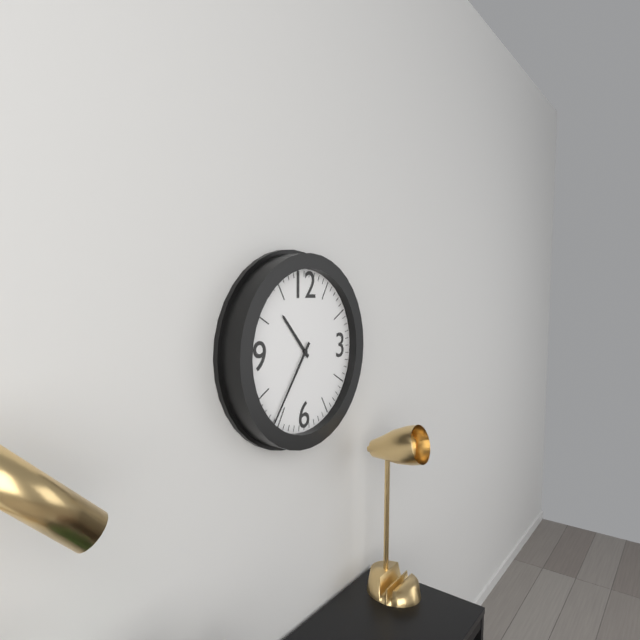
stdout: **10:36**
